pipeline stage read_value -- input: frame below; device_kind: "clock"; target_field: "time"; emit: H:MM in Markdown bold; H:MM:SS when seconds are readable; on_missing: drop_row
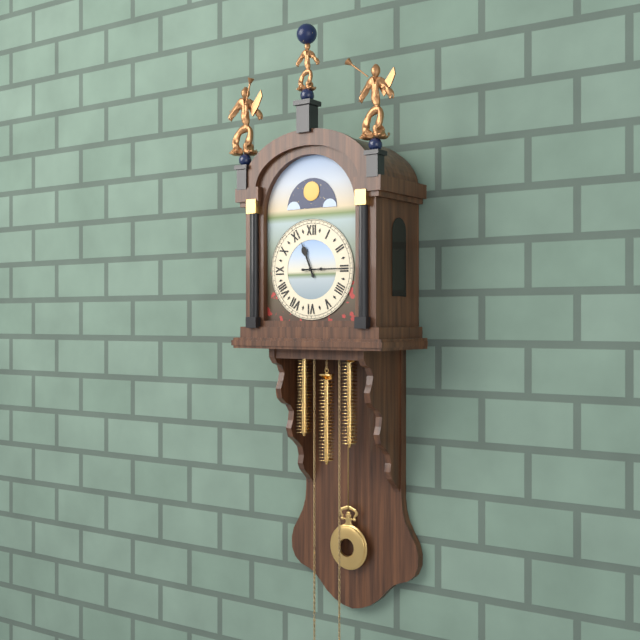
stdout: **11:15**
